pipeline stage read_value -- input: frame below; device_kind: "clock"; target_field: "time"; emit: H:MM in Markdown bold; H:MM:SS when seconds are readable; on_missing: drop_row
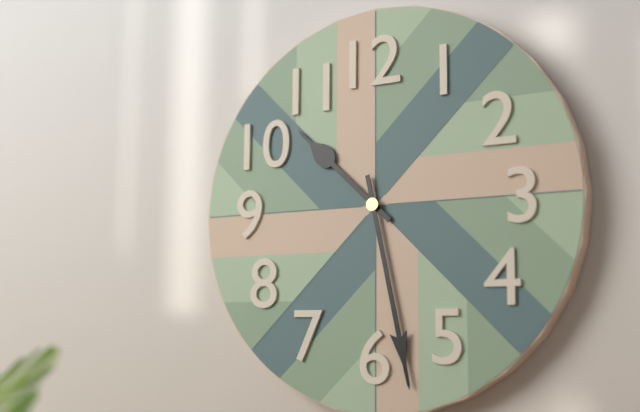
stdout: **10:28**
